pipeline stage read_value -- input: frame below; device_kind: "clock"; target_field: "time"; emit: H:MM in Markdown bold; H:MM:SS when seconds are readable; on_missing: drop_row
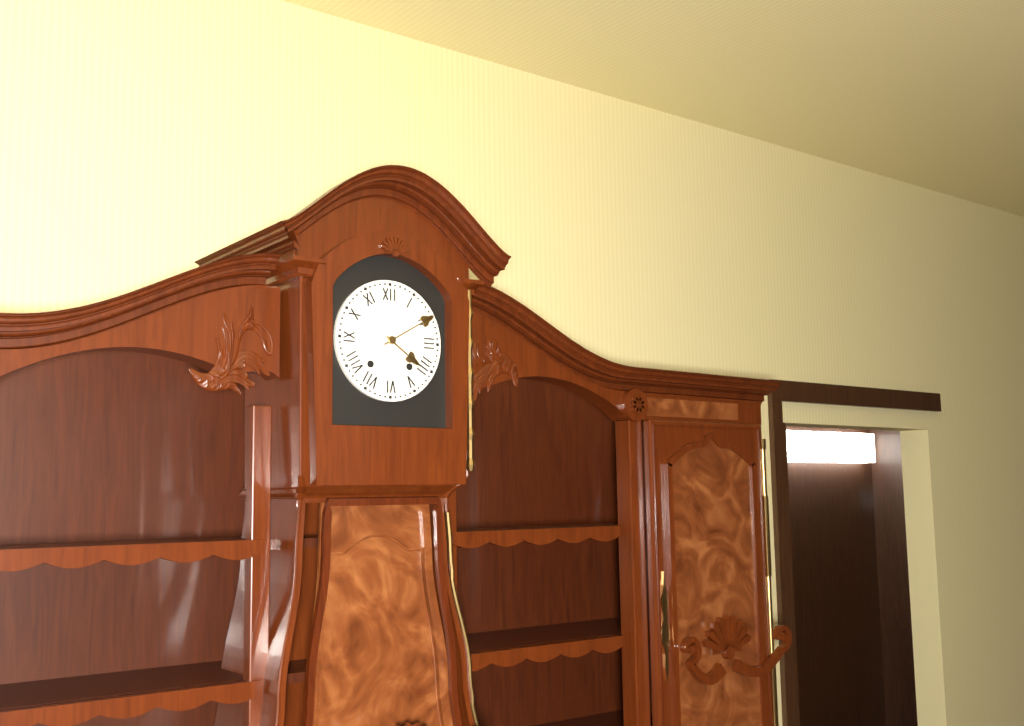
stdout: **4:10**
